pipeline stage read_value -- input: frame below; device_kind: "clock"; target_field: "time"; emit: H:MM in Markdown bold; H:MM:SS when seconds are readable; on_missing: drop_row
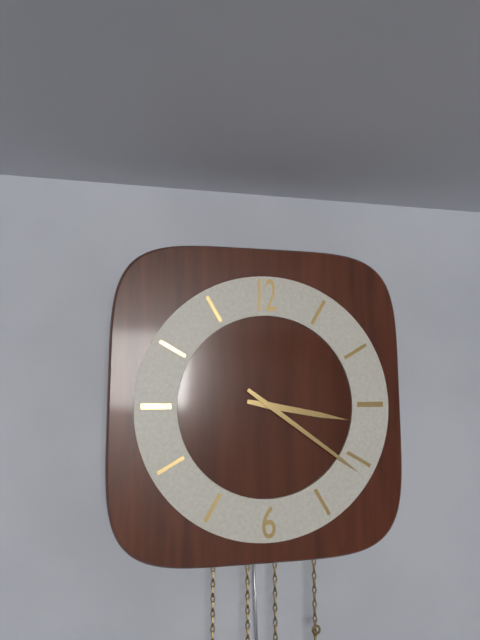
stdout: **3:21**
